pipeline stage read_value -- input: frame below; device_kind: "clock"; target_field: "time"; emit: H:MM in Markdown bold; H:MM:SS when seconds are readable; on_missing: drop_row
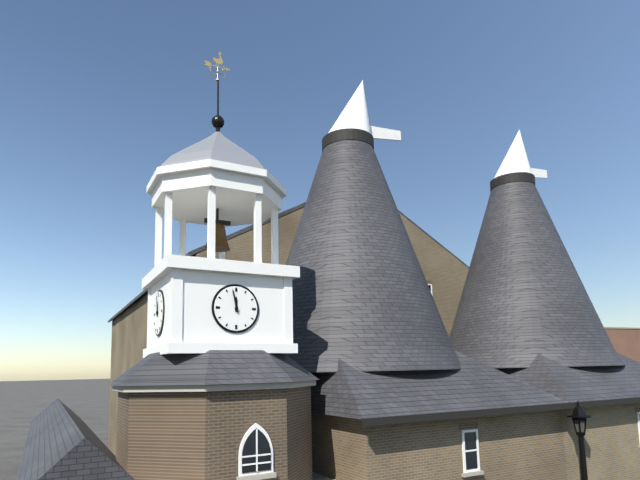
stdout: **11:58**
